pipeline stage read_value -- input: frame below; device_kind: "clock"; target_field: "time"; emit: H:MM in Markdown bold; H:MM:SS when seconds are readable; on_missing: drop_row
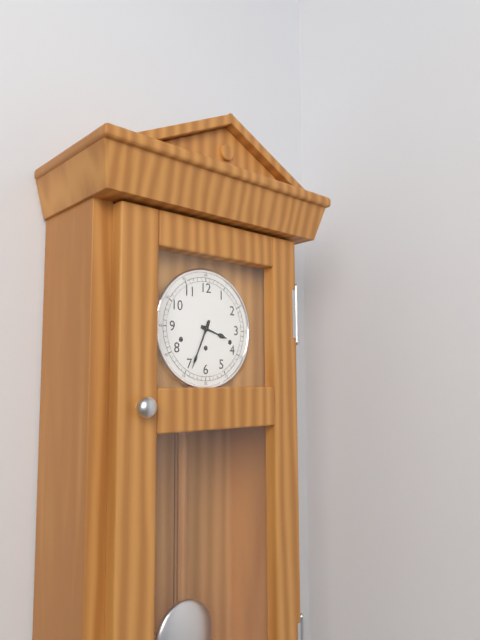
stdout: **3:34**
